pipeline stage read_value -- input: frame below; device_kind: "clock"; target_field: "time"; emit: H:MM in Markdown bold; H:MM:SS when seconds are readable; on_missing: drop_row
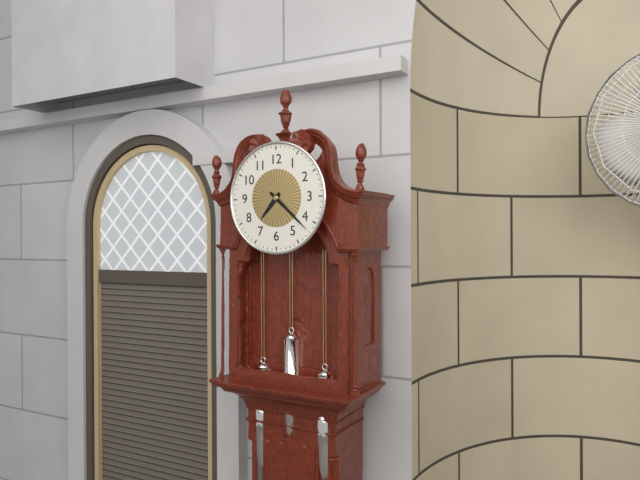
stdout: **7:22**
